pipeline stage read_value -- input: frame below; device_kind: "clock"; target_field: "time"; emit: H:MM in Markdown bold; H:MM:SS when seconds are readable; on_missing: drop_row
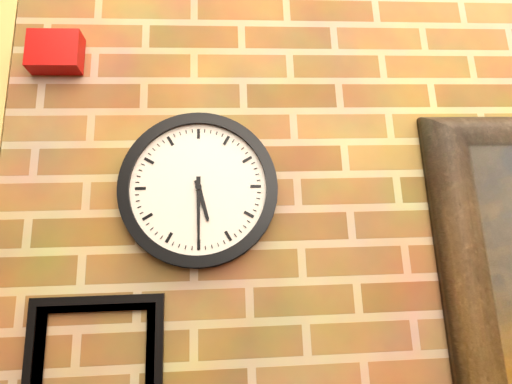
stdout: **5:30**
